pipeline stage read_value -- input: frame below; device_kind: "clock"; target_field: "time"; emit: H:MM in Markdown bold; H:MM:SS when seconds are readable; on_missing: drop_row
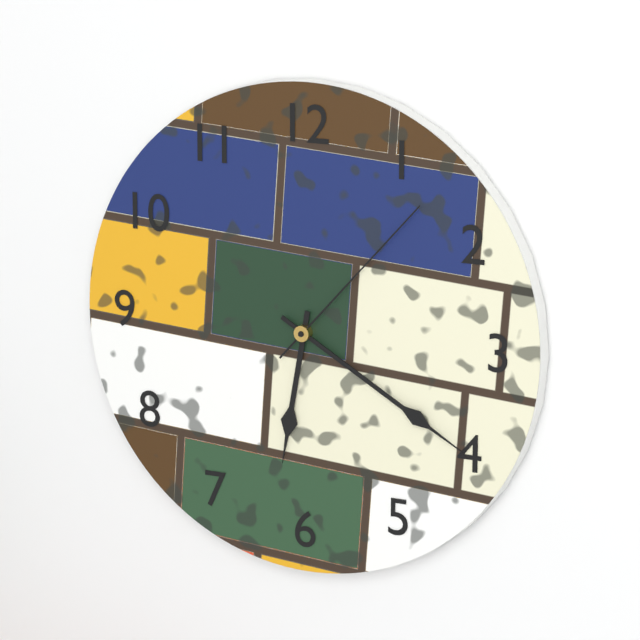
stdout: **6:20:07**
